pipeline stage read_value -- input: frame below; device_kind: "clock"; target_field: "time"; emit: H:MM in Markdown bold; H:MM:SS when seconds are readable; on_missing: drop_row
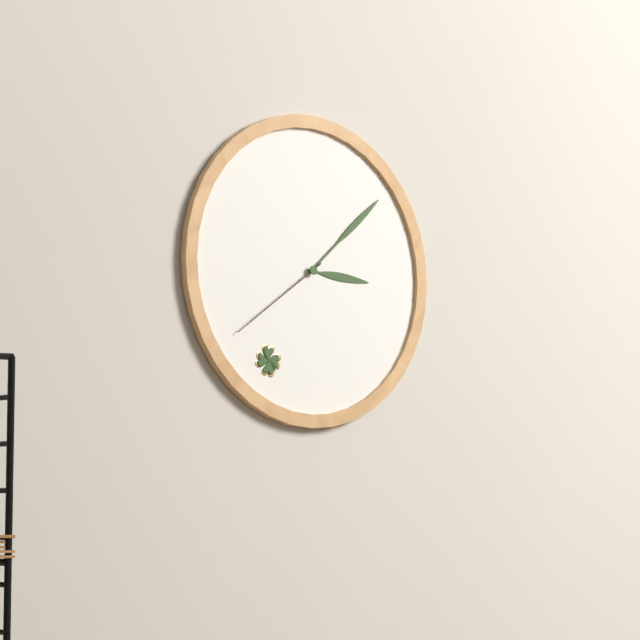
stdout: **3:08:39**
